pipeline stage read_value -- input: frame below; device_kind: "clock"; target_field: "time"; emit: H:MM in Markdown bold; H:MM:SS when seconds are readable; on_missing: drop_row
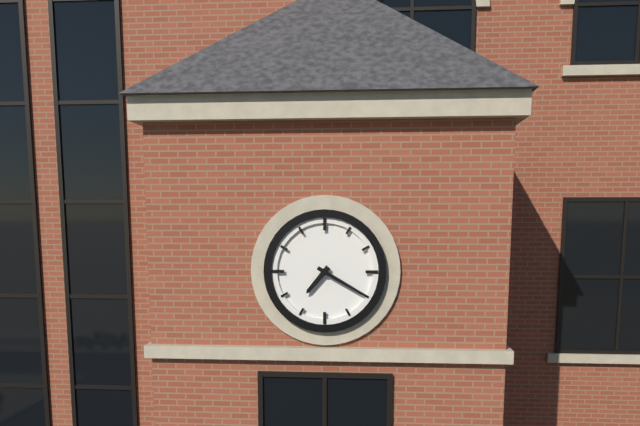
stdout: **7:20**
